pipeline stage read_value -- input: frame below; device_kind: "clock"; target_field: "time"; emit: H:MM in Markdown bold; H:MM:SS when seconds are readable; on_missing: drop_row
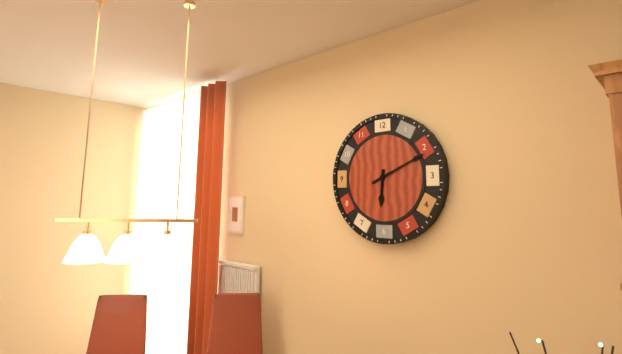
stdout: **6:11**
